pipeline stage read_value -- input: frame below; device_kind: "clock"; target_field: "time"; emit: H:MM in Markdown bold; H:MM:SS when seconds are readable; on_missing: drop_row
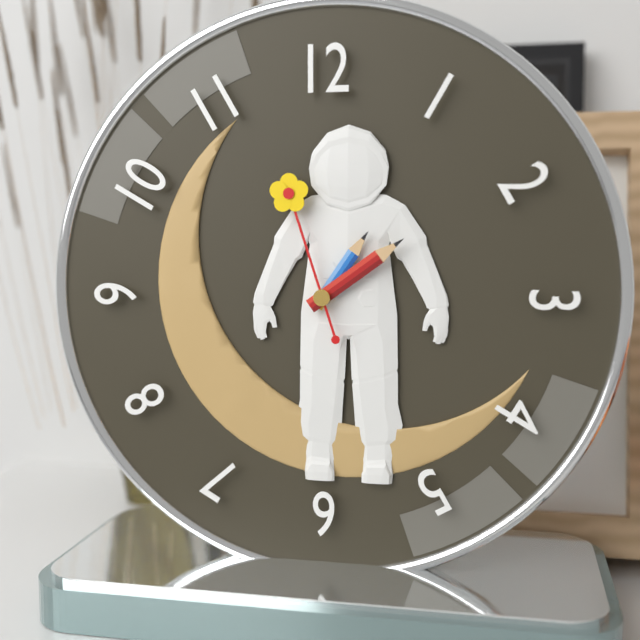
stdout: **1:09:57**
